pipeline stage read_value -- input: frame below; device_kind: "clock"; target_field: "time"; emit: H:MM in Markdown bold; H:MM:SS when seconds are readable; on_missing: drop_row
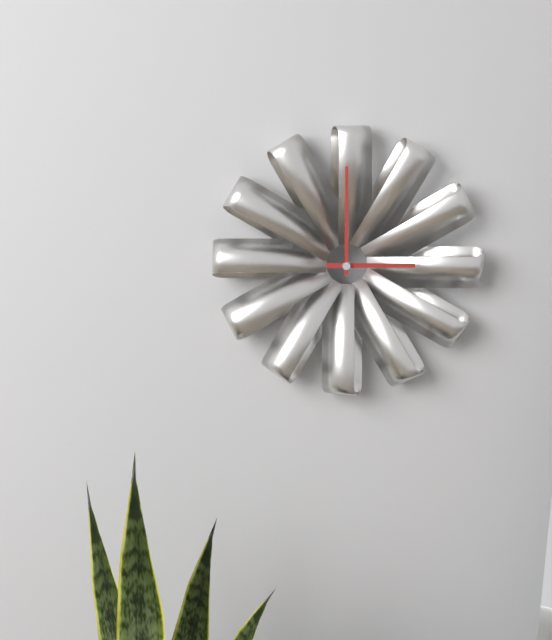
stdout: **3:00**
